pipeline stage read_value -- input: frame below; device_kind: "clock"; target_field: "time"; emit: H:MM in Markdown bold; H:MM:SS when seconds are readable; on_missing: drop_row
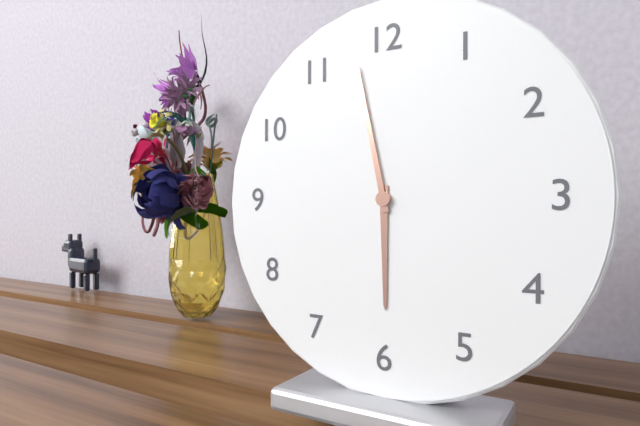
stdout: **5:58**
